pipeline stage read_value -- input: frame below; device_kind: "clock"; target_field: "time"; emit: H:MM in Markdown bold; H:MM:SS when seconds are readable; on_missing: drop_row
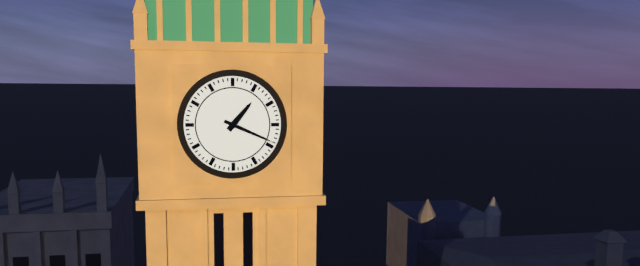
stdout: **1:19**
